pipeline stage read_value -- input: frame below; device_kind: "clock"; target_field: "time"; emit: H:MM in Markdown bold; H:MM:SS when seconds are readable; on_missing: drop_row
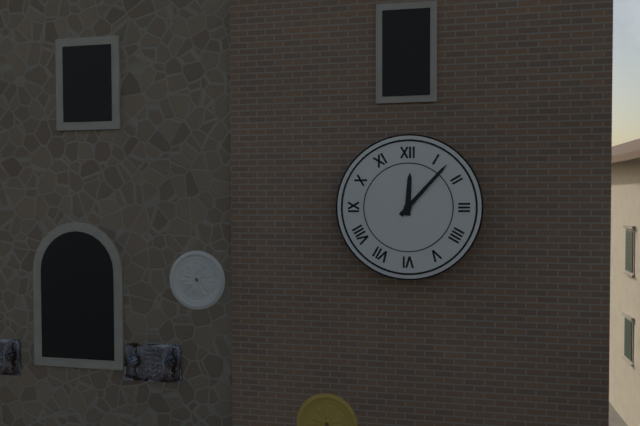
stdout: **12:07**
